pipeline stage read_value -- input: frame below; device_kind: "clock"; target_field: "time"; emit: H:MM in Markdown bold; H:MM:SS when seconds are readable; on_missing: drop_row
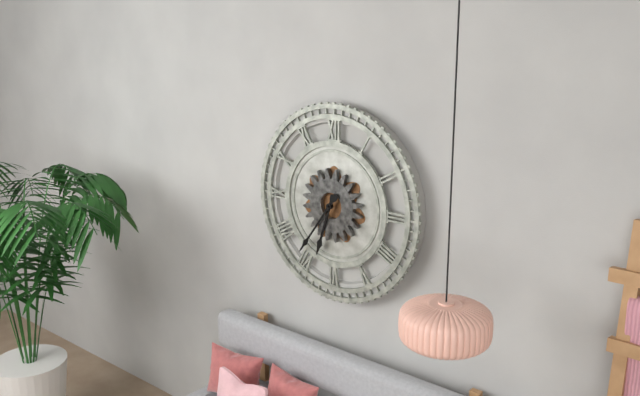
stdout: **6:36**
